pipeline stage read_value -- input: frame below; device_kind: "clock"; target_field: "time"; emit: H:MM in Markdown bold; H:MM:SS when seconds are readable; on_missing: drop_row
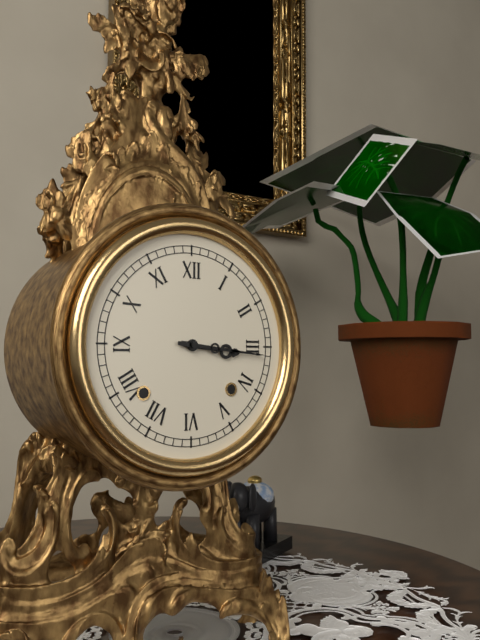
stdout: **3:16**
